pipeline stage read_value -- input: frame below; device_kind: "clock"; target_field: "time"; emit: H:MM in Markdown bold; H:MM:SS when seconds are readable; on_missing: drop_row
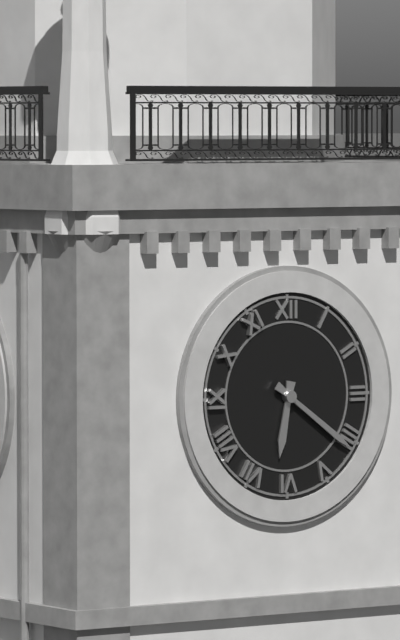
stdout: **6:21**
